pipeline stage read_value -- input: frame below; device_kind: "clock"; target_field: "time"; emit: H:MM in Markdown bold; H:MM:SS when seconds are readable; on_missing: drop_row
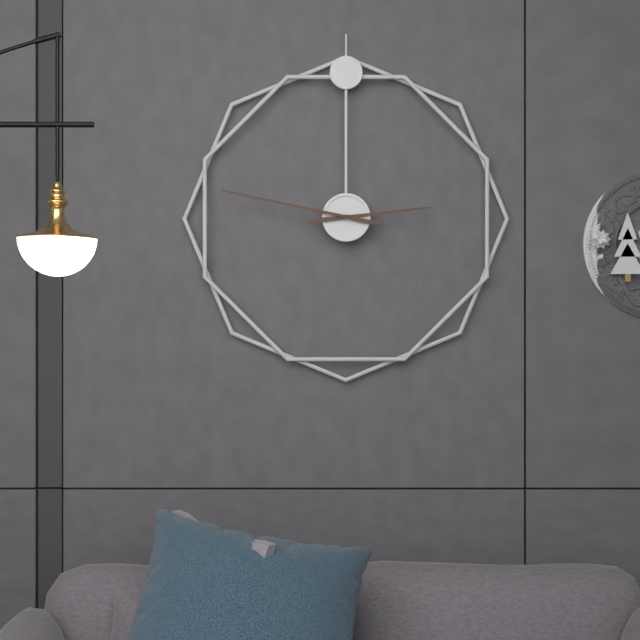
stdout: **2:47**
